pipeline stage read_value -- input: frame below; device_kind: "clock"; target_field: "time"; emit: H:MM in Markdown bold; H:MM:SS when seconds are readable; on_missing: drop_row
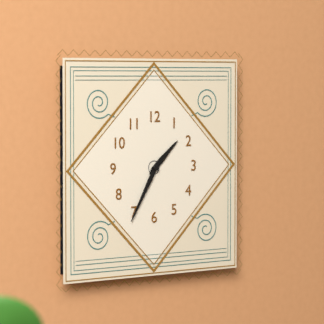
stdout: **1:35**
